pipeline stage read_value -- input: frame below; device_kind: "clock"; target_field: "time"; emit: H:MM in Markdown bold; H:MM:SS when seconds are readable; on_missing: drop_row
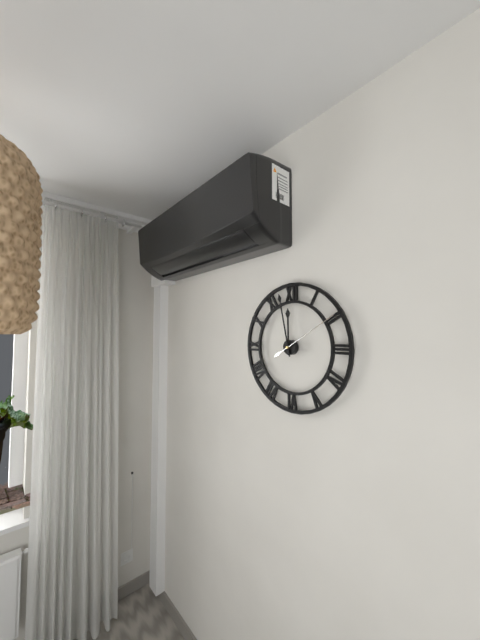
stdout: **11:58:10**
